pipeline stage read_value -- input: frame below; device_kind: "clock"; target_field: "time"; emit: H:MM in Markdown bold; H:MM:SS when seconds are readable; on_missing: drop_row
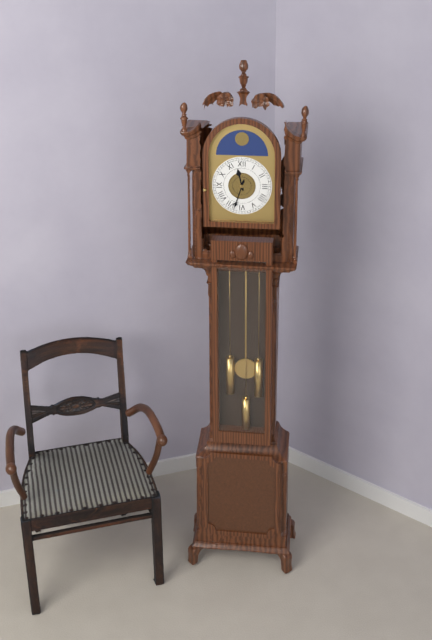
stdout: **11:33**
